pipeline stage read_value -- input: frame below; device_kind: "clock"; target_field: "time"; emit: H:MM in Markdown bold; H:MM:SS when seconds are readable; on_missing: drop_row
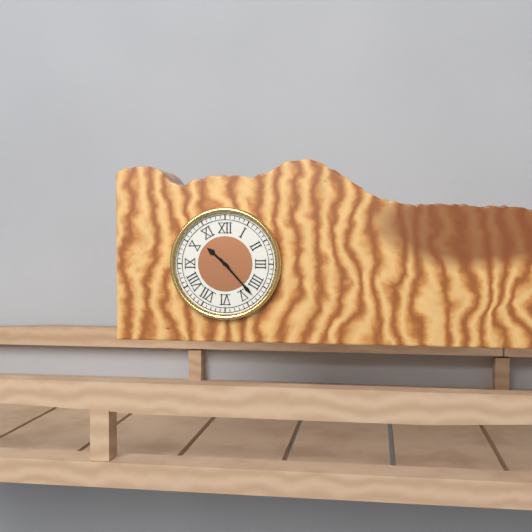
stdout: **10:23**
